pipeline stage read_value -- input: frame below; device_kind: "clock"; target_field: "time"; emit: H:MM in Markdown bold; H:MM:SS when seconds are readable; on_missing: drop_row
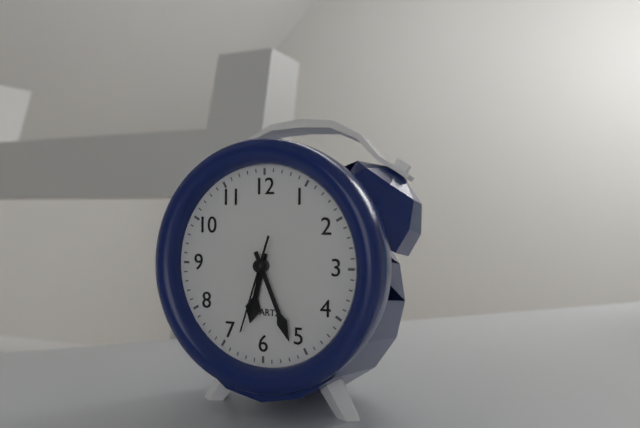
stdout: **6:26:33**
